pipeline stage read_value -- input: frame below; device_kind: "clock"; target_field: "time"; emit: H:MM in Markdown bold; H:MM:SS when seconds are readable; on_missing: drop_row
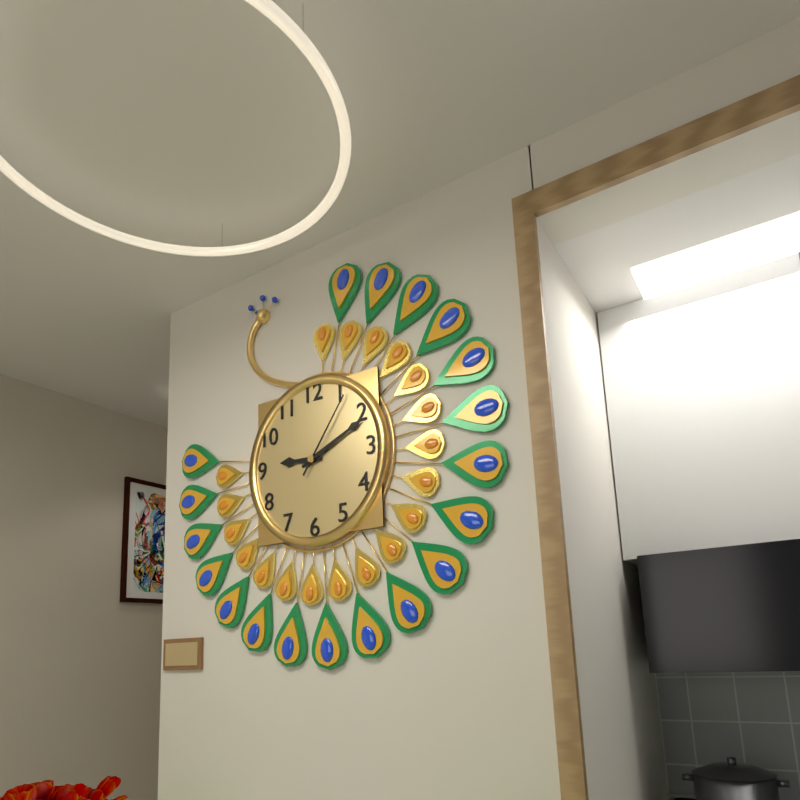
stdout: **9:11:06**
